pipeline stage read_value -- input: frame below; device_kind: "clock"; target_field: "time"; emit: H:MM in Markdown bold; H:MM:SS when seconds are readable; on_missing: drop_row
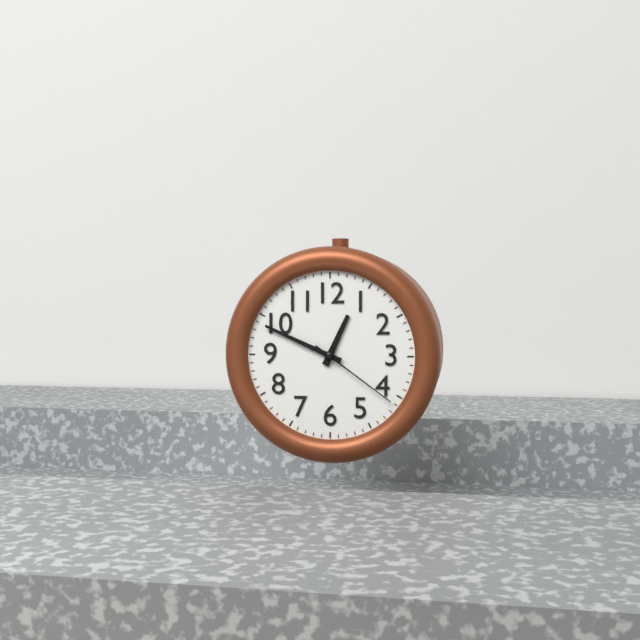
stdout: **12:49:21**
